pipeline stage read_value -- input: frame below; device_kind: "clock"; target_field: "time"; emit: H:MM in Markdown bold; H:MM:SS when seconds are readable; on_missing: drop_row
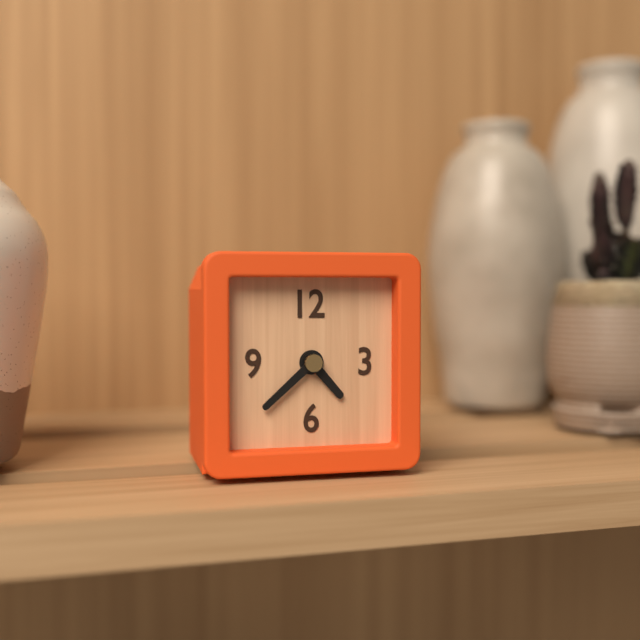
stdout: **4:38**
